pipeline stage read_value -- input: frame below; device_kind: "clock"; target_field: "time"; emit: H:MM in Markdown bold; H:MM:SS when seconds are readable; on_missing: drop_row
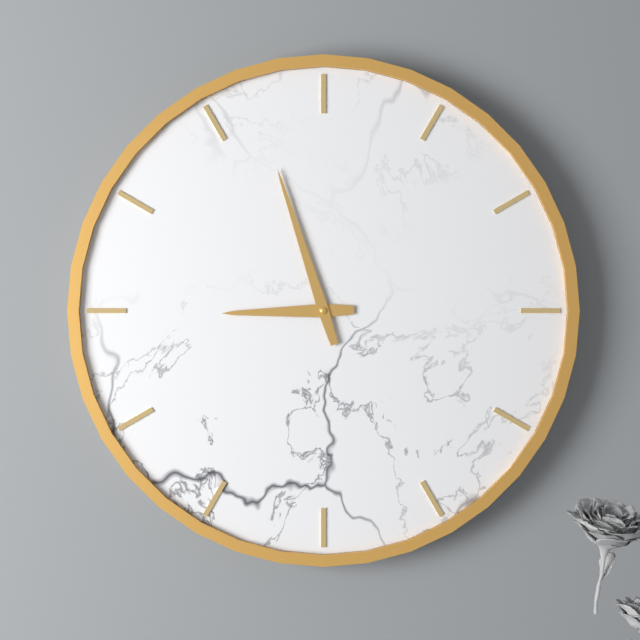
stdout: **8:57**
